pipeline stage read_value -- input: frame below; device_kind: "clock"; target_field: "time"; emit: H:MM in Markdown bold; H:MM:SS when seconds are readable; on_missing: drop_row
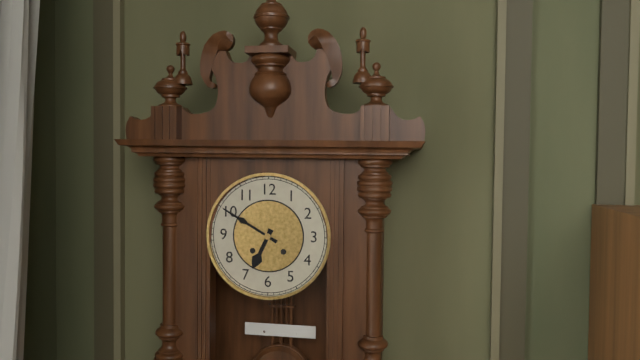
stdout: **6:50**
